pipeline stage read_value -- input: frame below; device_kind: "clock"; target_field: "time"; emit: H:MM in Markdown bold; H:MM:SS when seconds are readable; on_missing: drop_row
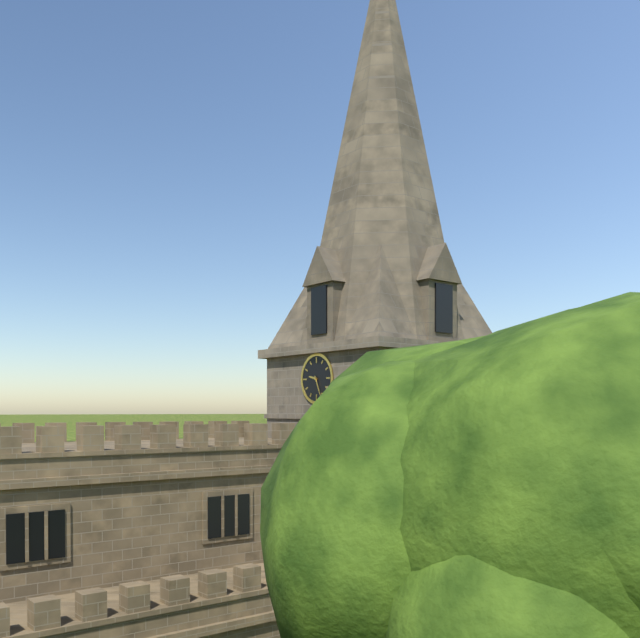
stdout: **9:26**
